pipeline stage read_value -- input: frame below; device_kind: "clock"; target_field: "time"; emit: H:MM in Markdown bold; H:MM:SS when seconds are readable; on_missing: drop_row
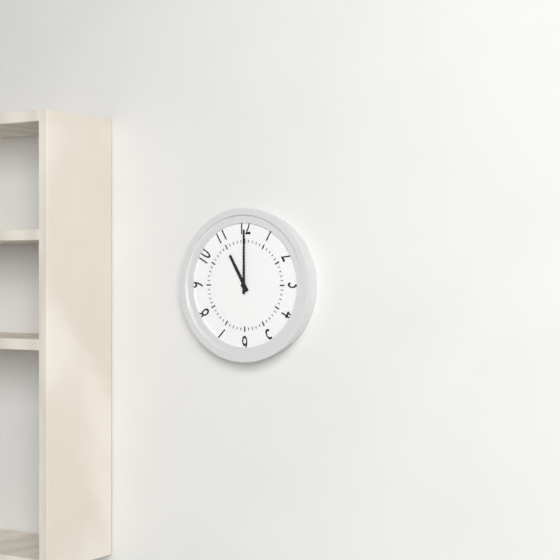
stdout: **11:00**
